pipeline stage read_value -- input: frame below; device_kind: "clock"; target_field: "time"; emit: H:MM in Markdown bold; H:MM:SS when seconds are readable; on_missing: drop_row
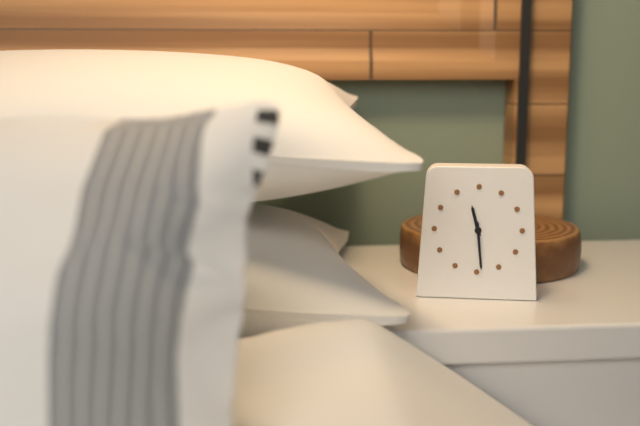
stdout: **11:29**
